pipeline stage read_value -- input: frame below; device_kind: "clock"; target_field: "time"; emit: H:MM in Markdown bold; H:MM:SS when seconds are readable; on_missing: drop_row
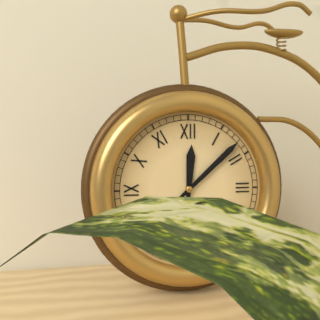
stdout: **12:08**
